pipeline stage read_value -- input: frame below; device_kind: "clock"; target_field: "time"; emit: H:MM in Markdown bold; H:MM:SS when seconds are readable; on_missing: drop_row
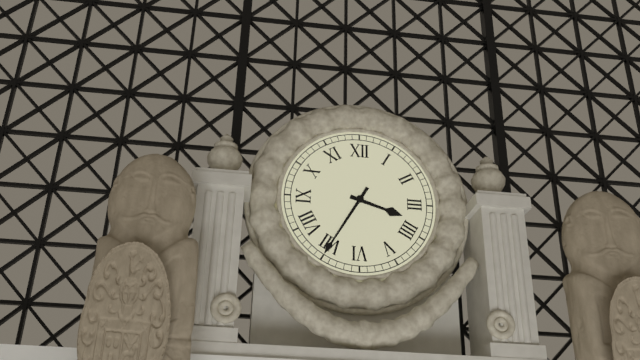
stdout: **3:35**
